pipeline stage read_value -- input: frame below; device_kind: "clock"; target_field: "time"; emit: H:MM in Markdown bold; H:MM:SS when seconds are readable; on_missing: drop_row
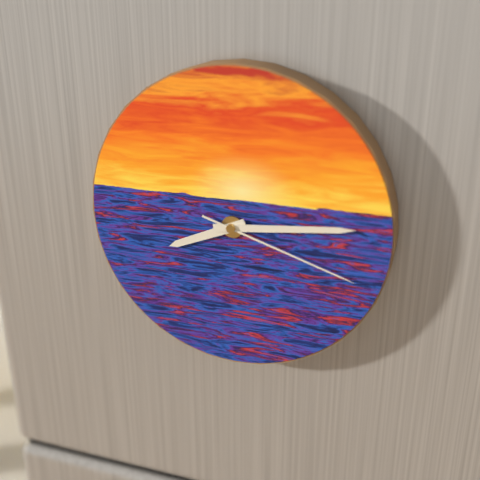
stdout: **8:14:18**
